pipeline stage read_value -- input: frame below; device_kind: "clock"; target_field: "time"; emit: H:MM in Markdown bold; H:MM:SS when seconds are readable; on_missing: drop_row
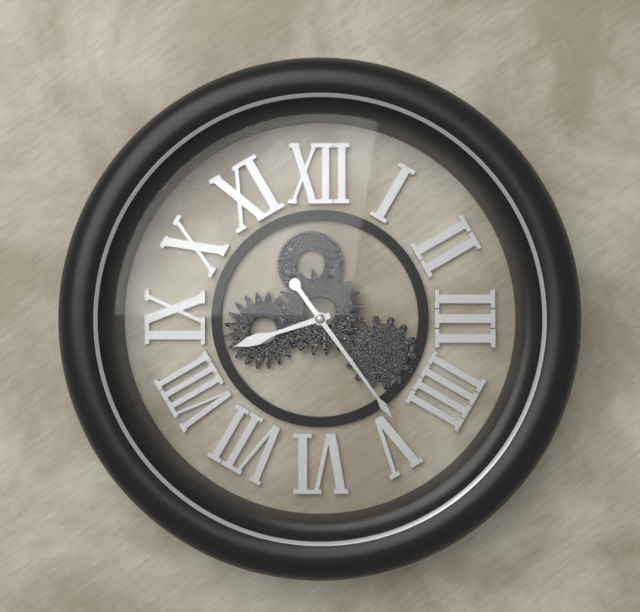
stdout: **8:24**
